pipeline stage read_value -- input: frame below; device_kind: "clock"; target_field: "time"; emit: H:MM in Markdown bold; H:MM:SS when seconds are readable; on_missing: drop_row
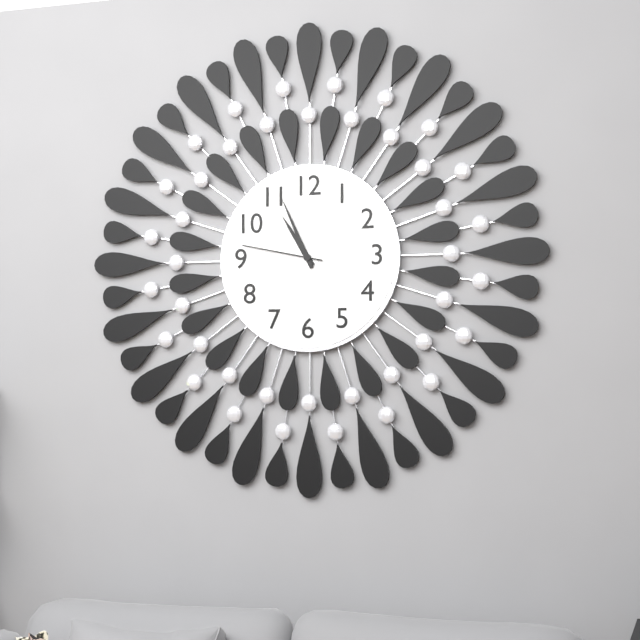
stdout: **10:56:47**
